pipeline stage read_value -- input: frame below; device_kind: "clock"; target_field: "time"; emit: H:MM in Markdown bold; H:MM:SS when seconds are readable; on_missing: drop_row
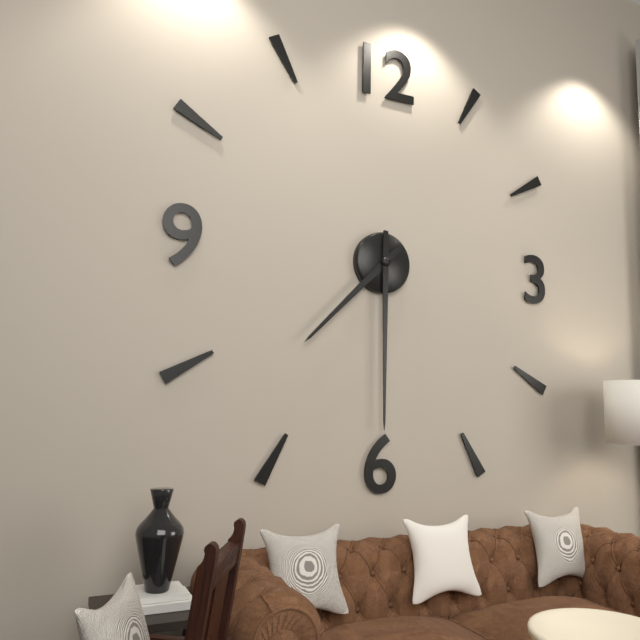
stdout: **7:30**
